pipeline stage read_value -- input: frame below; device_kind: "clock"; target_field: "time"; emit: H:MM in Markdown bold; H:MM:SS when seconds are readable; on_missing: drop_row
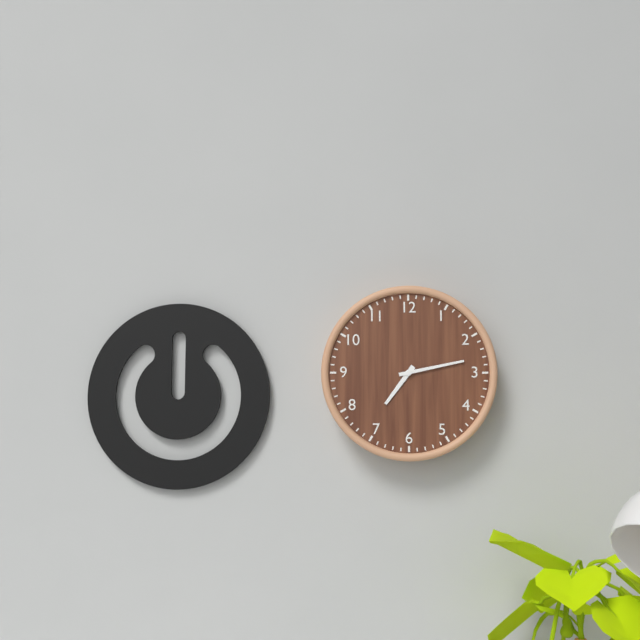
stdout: **7:13**
